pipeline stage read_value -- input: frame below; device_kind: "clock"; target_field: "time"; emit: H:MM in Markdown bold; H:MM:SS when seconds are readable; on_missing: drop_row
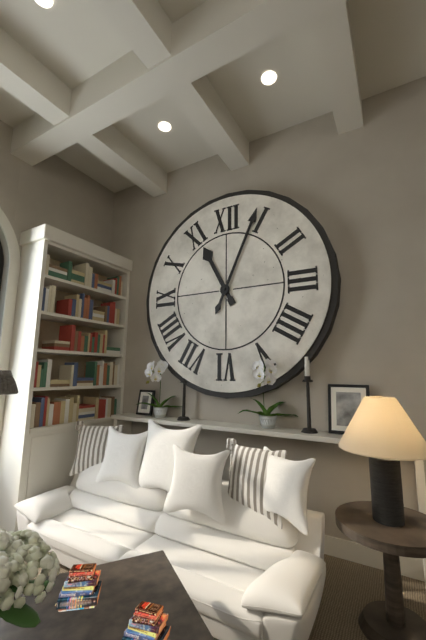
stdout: **11:04**
